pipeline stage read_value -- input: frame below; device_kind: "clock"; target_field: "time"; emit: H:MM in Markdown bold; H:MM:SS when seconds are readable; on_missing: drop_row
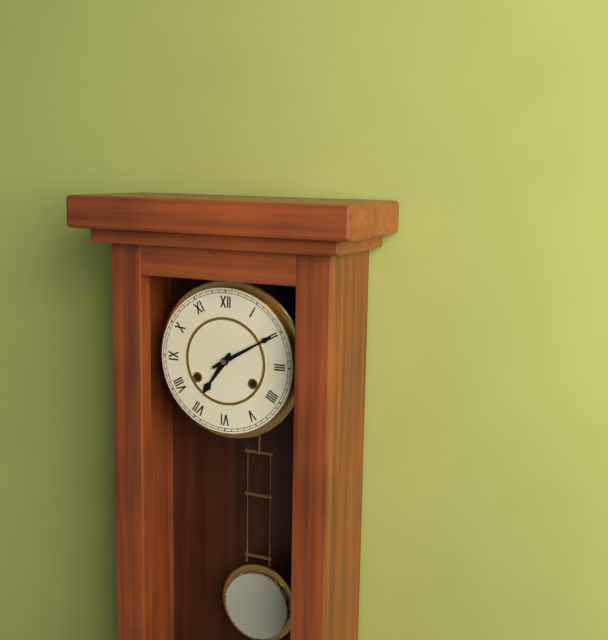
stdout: **7:10**
